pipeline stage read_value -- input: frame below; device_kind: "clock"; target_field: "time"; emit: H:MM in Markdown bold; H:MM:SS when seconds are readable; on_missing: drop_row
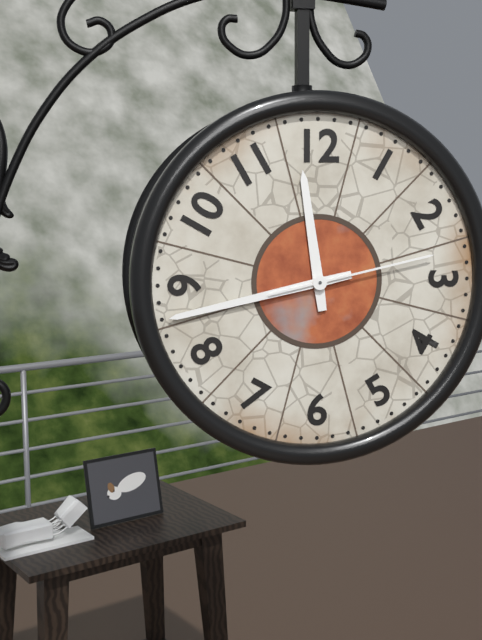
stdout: **11:43:13**
